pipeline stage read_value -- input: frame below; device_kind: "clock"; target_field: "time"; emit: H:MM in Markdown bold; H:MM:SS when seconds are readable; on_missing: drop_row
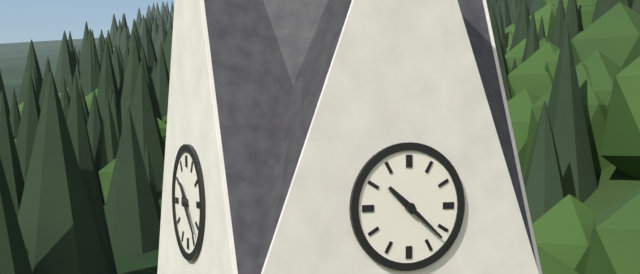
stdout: **10:22**
